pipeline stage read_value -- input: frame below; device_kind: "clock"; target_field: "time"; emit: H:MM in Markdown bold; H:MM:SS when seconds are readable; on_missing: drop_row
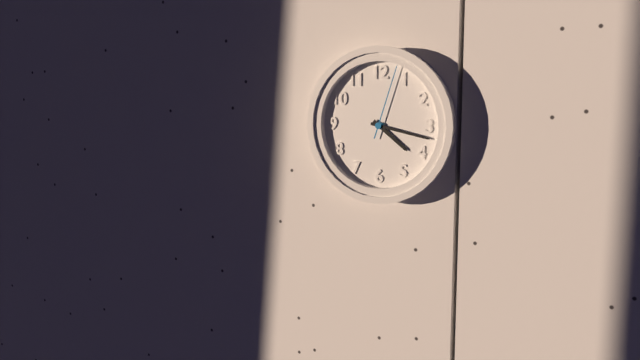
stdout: **4:17:03**
